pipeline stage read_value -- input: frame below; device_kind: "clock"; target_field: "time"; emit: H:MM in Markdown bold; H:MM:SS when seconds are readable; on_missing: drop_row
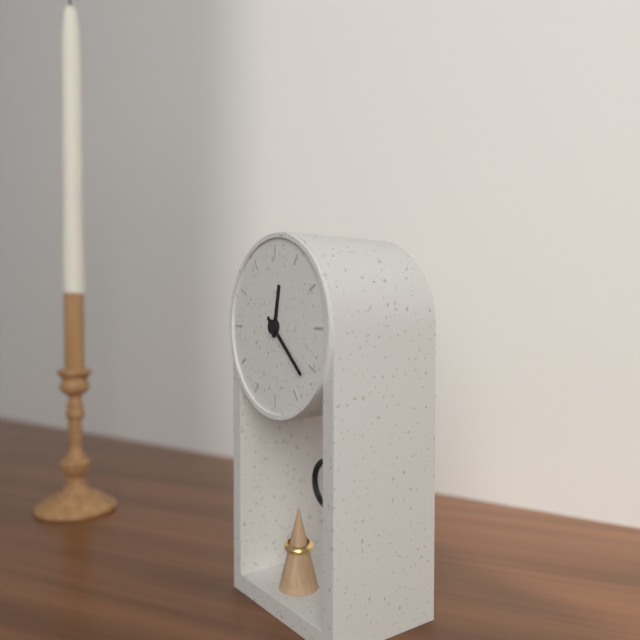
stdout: **12:22**
